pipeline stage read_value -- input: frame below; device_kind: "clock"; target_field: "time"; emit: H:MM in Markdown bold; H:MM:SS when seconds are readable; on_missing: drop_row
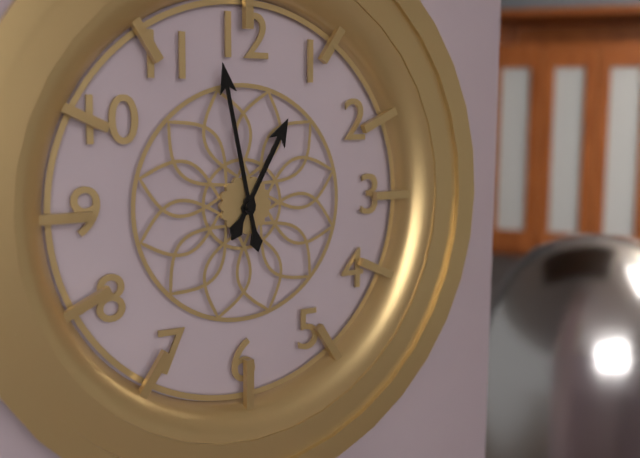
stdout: **12:58**
